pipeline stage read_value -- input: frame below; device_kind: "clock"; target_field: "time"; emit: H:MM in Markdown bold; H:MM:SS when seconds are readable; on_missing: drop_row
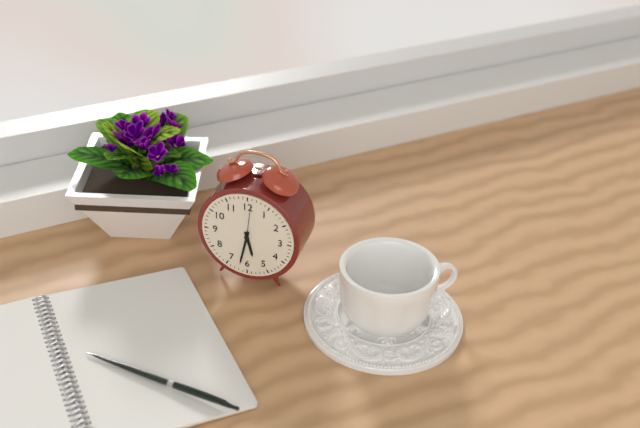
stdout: **5:32**
